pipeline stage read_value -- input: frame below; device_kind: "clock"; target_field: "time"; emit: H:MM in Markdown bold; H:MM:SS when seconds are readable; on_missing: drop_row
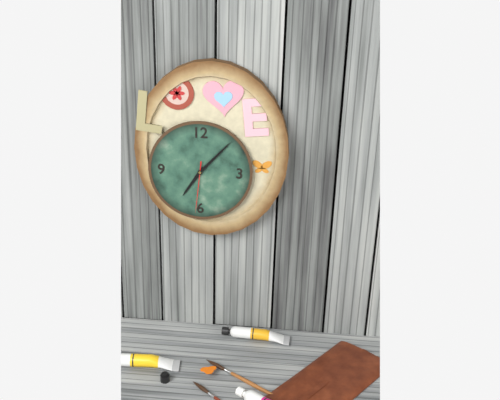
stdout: **7:07:31**
